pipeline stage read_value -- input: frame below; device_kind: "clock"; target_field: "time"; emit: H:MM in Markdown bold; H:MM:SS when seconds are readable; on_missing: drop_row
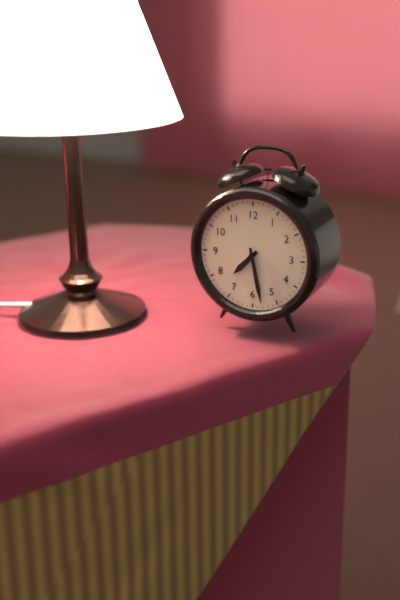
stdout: **7:28**
